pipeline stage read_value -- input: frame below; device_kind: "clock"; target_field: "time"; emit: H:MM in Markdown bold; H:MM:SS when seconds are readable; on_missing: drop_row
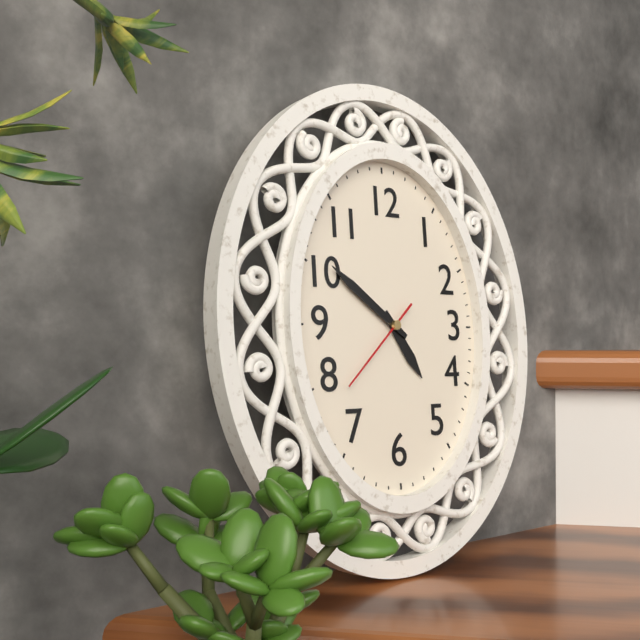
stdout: **4:51:38**
